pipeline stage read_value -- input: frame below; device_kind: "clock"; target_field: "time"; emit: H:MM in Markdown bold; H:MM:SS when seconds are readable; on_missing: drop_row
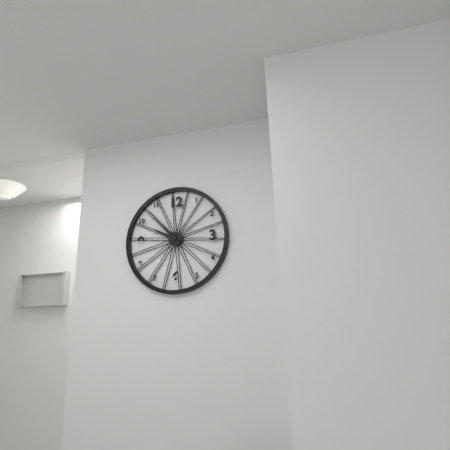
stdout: **9:53**
